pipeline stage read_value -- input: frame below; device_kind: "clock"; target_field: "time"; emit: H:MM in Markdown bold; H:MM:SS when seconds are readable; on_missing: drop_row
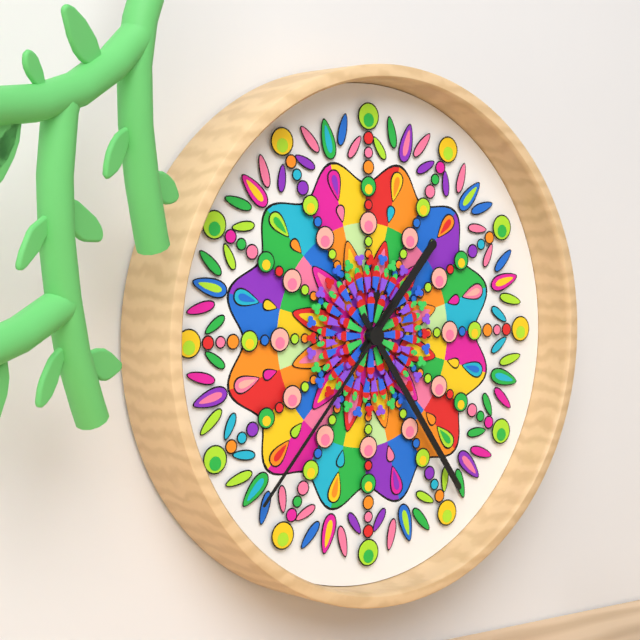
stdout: **1:24:37**
